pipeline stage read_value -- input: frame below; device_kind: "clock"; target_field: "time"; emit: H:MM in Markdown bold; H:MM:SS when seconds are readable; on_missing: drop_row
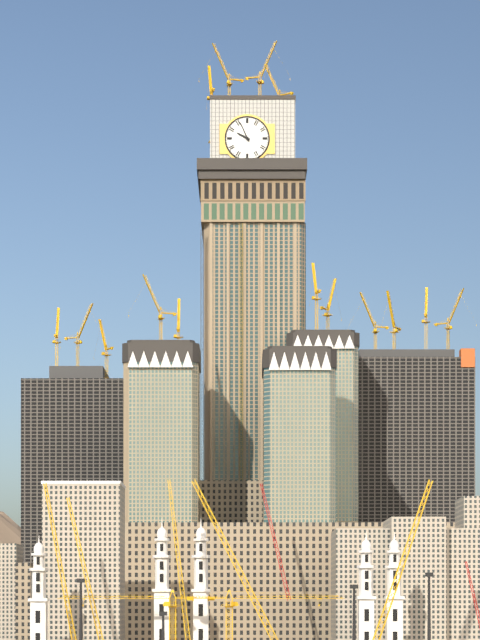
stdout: **9:56**
